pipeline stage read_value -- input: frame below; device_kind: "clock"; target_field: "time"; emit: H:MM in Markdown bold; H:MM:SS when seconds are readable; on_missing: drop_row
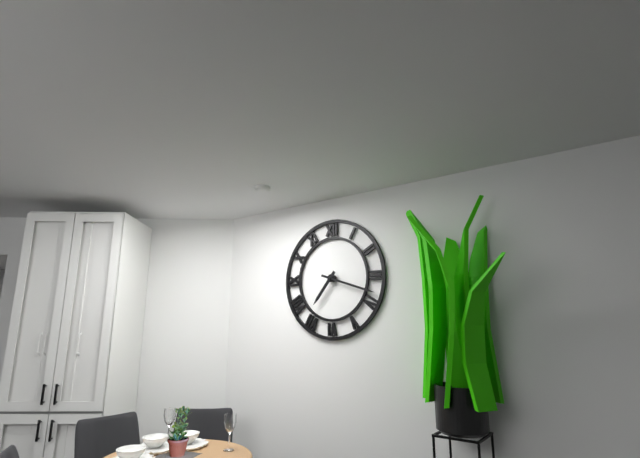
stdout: **7:18**
